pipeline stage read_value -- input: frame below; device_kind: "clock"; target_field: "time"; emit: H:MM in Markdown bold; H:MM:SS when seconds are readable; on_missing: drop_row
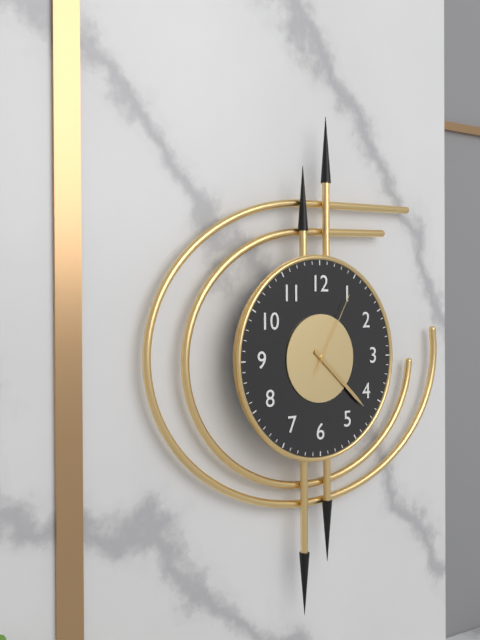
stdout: **4:22:05**
